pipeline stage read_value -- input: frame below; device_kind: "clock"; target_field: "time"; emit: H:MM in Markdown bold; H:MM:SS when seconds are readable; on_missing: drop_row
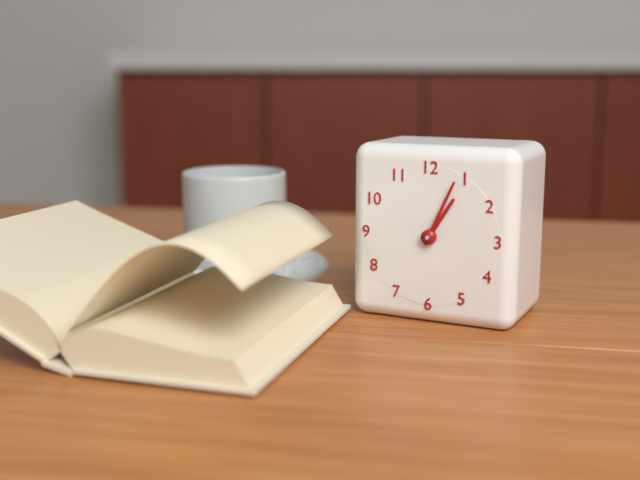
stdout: **1:04**
